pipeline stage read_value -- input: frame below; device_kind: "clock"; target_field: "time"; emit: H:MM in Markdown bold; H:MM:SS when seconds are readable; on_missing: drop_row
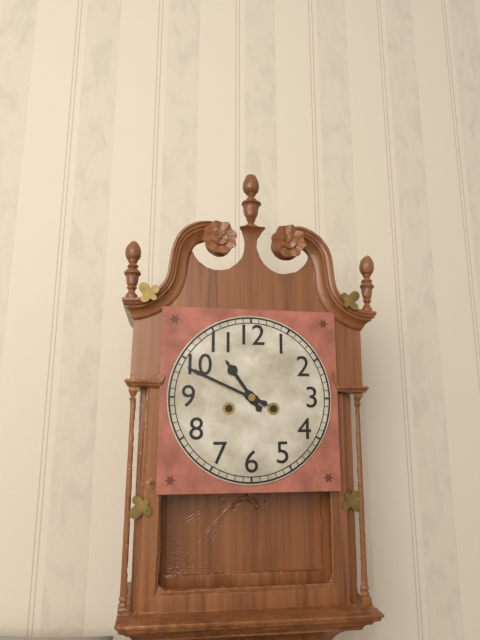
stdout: **10:49**
